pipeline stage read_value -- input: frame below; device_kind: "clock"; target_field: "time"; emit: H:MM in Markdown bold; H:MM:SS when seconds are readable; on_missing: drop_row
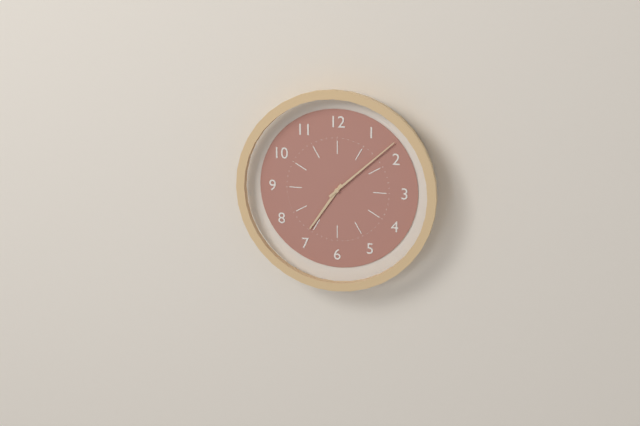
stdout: **7:08**
